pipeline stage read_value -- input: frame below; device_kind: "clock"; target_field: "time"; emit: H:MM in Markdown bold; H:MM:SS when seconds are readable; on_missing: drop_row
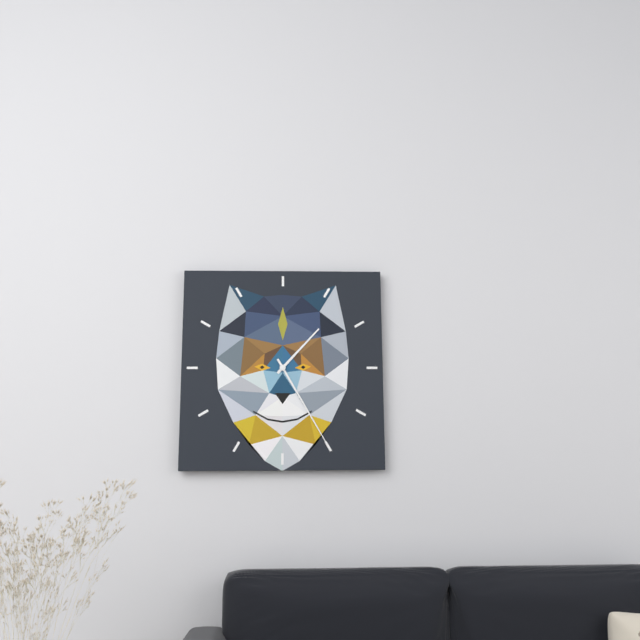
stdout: **1:25**
